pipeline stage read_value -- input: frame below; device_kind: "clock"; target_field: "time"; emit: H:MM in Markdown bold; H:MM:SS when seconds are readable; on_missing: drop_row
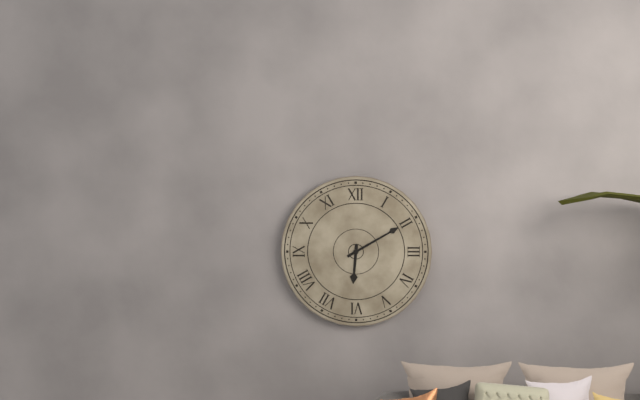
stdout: **6:10**
